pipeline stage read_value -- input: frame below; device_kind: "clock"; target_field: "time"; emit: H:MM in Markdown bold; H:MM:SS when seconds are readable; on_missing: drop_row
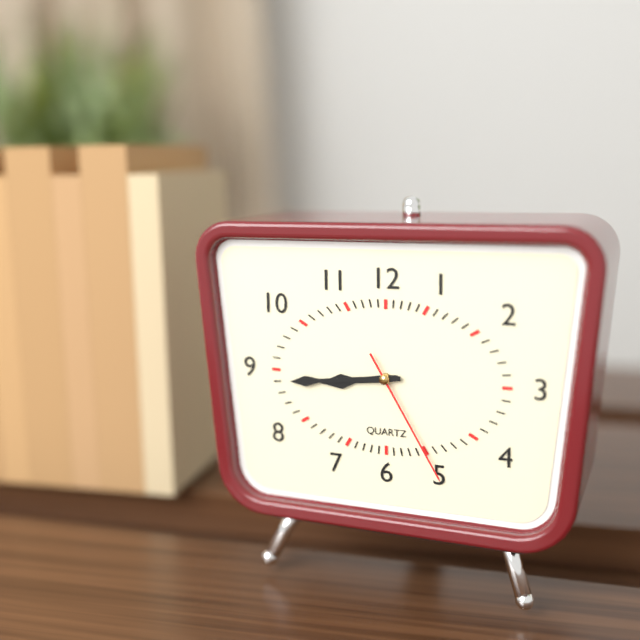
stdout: **8:44:25**
